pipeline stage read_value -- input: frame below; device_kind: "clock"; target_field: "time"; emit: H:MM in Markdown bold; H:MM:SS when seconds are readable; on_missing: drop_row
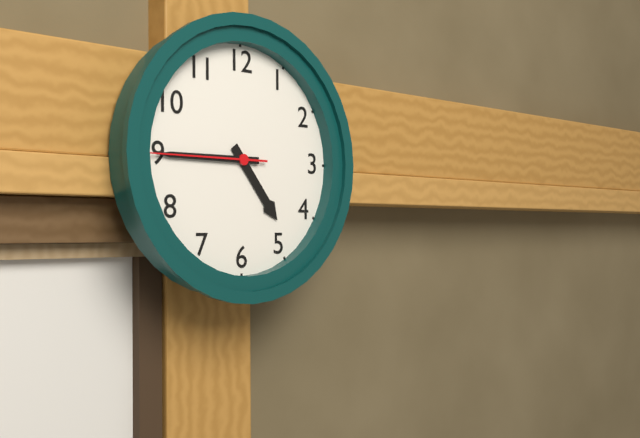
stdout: **4:45:45**
